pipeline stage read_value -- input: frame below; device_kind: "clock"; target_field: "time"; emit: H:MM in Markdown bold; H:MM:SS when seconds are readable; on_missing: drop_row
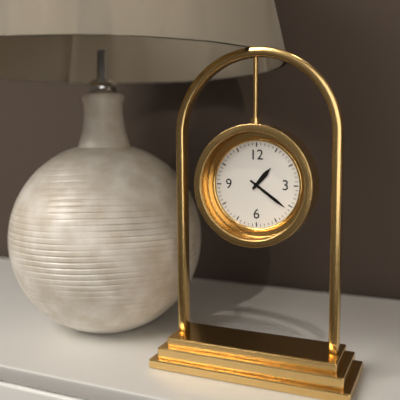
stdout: **1:21**
